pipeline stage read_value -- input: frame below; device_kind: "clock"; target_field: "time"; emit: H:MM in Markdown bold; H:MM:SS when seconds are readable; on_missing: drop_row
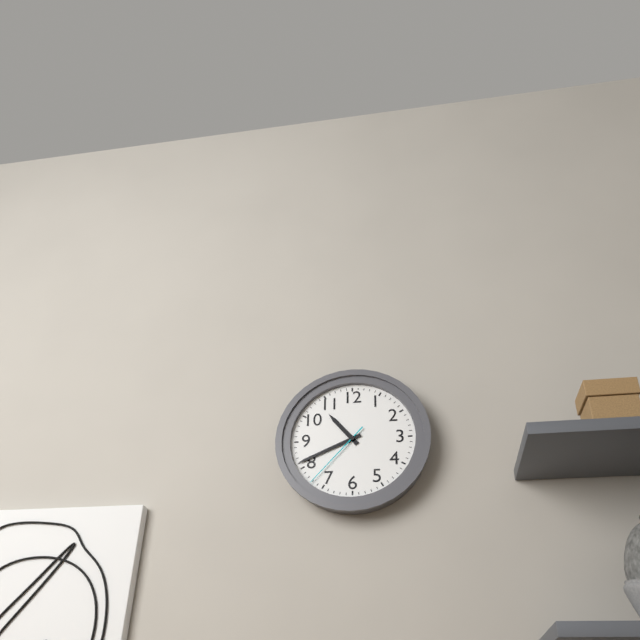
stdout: **10:41:37**
